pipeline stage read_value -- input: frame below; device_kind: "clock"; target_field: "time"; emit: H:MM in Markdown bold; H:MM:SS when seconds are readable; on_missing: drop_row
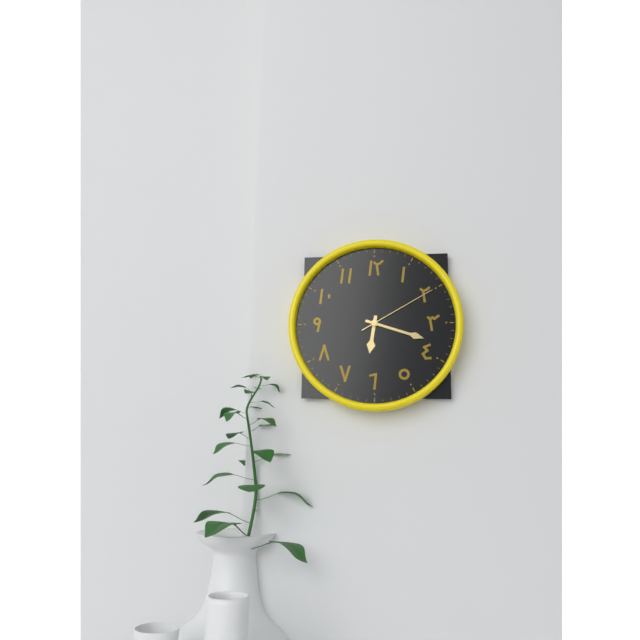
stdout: **6:18:10**
